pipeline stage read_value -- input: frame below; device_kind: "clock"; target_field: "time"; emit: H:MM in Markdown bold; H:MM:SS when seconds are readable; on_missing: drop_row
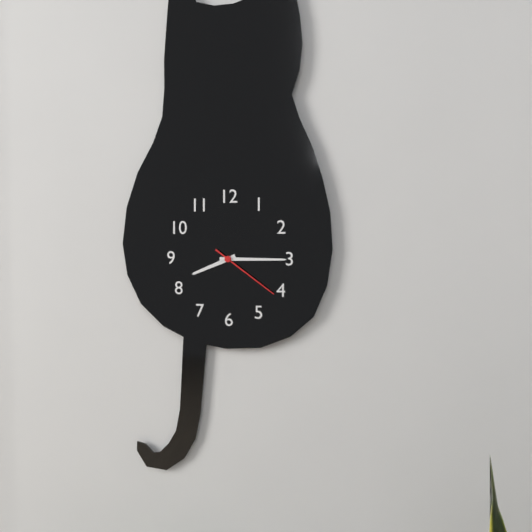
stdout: **8:15:21**
